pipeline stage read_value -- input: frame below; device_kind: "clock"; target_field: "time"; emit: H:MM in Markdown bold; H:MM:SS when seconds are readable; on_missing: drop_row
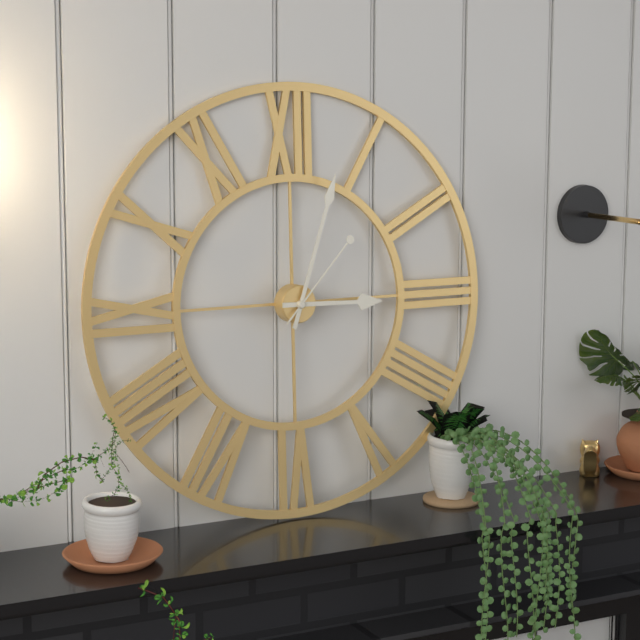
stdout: **3:03:07**
